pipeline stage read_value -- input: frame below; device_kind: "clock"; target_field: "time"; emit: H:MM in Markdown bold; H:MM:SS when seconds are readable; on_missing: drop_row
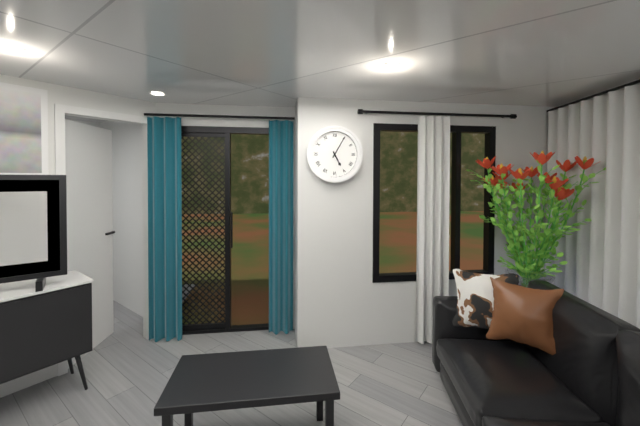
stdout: **5:05**
